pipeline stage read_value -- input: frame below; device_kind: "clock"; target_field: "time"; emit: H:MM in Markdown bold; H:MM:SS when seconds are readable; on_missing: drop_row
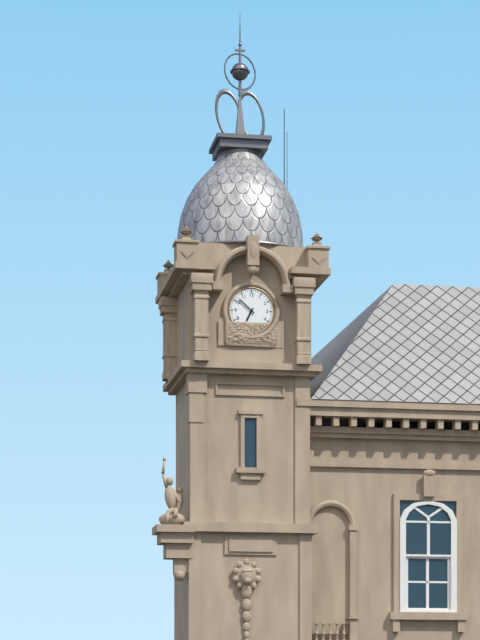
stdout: **6:52**
